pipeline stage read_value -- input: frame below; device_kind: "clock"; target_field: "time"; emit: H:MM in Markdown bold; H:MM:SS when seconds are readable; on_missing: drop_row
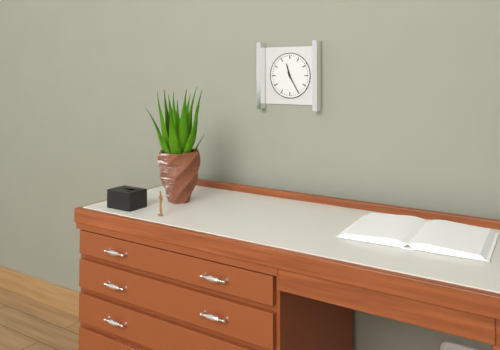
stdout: **11:25**
